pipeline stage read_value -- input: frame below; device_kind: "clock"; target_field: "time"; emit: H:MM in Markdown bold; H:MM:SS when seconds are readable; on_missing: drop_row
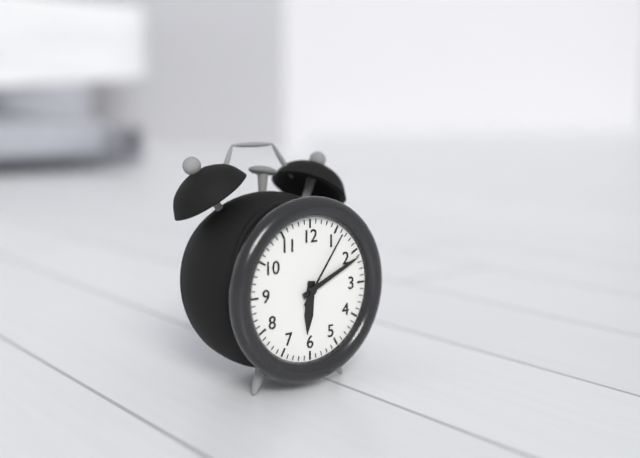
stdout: **6:11:06**
